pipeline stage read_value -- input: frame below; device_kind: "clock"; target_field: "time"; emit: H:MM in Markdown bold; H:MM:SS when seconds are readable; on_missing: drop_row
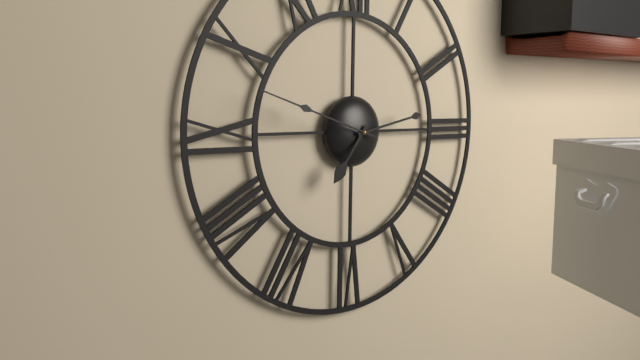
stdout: **7:13:48**
